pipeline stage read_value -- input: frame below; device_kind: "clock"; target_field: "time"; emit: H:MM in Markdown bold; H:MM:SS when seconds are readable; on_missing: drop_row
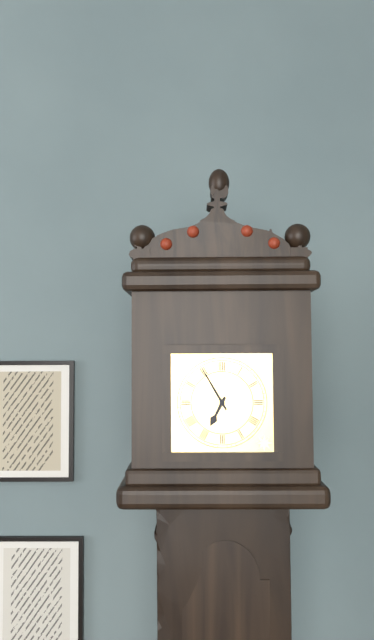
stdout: **6:55**
